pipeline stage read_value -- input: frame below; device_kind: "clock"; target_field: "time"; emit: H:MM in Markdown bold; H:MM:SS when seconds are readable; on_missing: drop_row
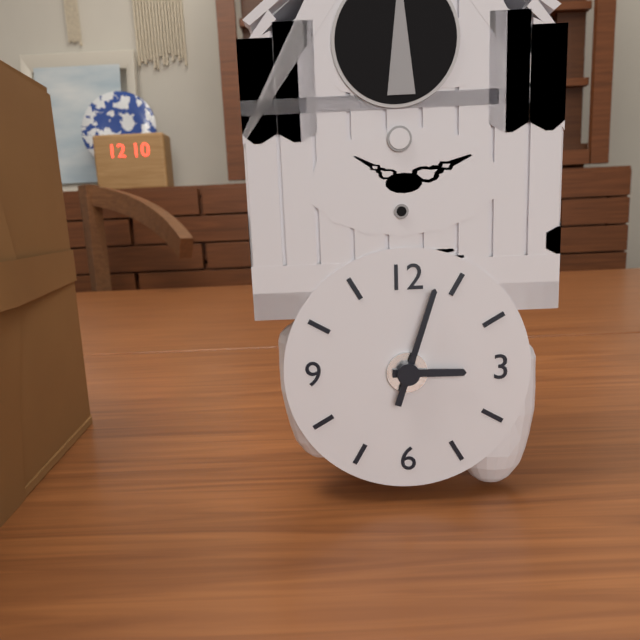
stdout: **3:03**
